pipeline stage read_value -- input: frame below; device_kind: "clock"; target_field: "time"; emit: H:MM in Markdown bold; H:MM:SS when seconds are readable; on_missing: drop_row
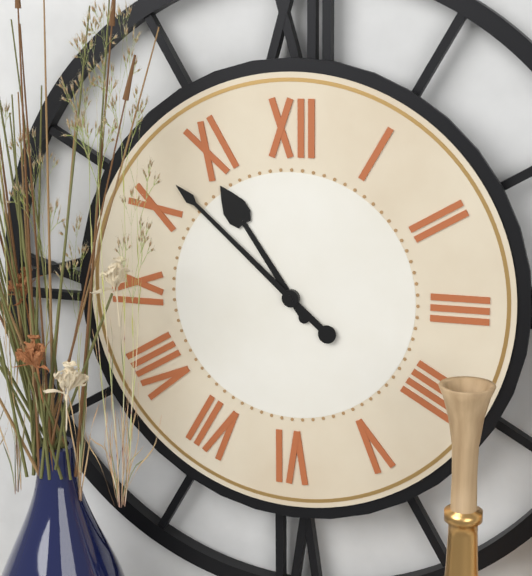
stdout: **10:52**
